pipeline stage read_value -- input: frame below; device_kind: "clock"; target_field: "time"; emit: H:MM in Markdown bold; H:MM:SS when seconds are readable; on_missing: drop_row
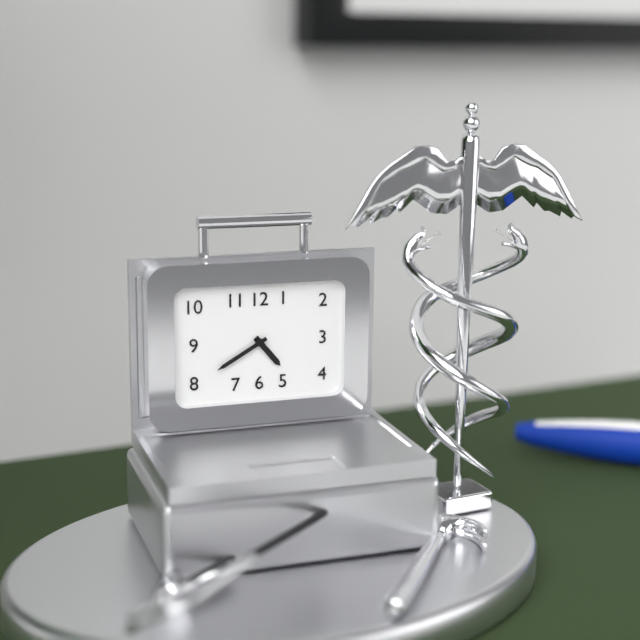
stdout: **4:40**
